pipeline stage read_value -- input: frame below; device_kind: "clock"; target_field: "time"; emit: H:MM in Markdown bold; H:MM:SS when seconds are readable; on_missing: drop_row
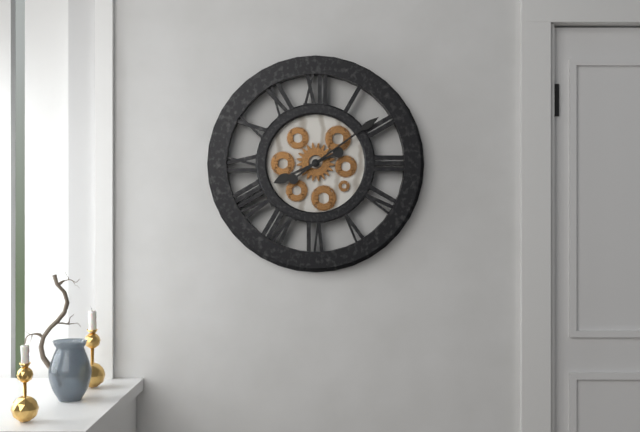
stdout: **8:09**
